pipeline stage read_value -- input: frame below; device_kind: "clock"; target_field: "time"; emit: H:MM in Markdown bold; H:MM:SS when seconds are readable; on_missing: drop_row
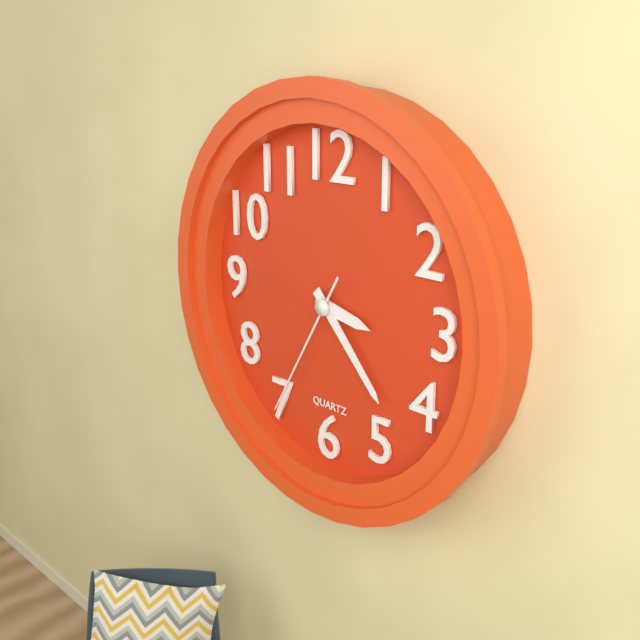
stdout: **3:23:35**
